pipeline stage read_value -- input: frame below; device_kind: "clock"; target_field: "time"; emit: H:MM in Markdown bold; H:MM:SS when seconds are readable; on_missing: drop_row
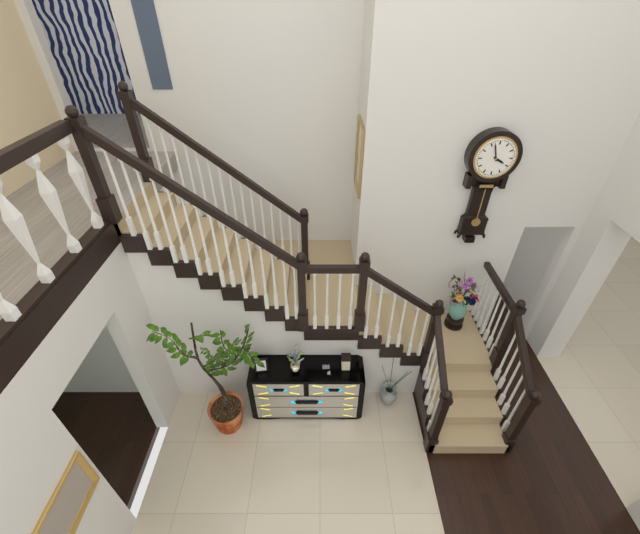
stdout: **3:57**
